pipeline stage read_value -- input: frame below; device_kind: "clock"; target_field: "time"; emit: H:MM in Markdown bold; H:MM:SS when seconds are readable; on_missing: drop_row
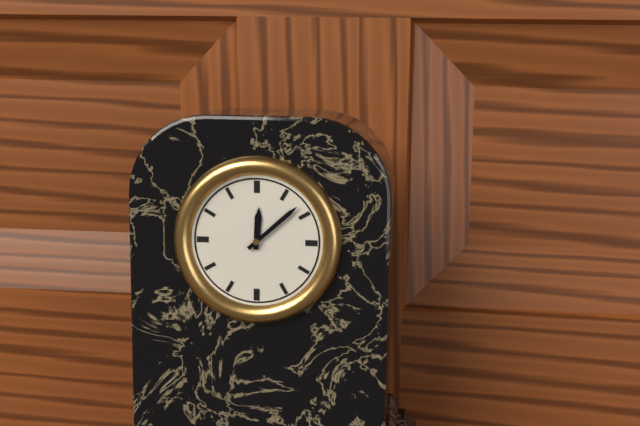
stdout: **12:08**
